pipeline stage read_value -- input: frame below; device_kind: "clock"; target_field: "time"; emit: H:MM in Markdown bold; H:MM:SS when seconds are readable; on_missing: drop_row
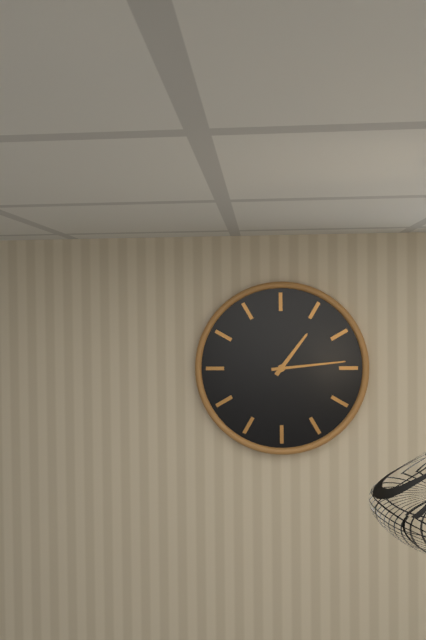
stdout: **1:14**
